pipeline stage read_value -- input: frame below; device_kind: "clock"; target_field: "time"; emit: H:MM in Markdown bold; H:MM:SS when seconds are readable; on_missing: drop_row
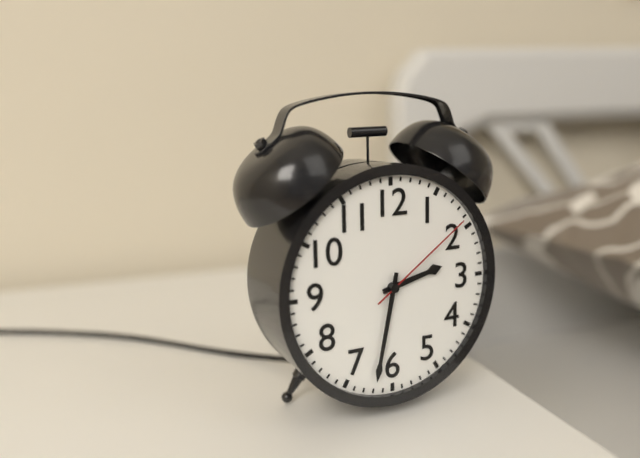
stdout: **2:32:09**
